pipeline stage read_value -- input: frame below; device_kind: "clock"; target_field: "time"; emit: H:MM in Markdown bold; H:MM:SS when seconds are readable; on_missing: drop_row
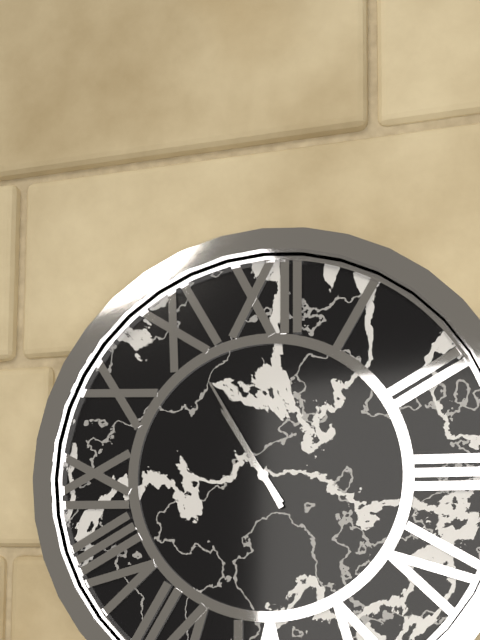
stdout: **10:55**
